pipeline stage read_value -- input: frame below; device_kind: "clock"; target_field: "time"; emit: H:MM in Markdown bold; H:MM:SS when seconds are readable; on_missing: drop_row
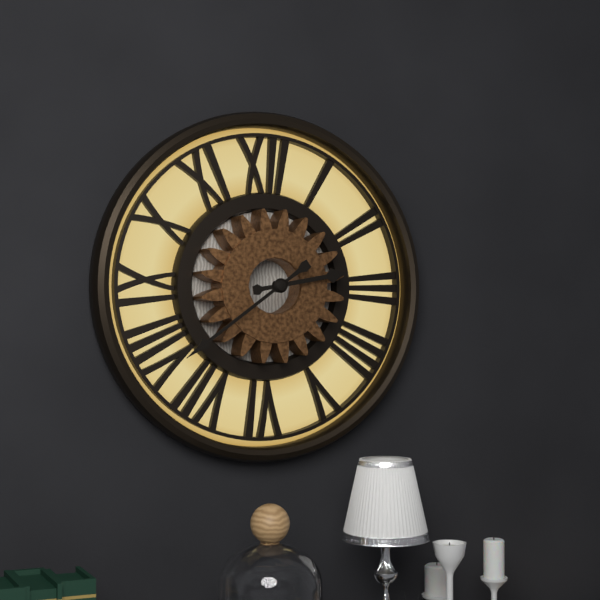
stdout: **2:39**
